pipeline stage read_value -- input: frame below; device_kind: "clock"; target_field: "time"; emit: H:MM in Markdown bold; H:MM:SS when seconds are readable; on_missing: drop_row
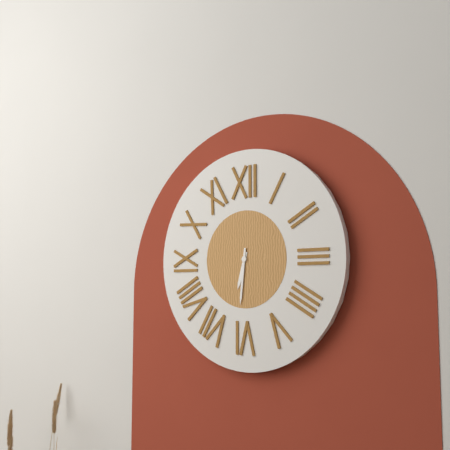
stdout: **6:31**
